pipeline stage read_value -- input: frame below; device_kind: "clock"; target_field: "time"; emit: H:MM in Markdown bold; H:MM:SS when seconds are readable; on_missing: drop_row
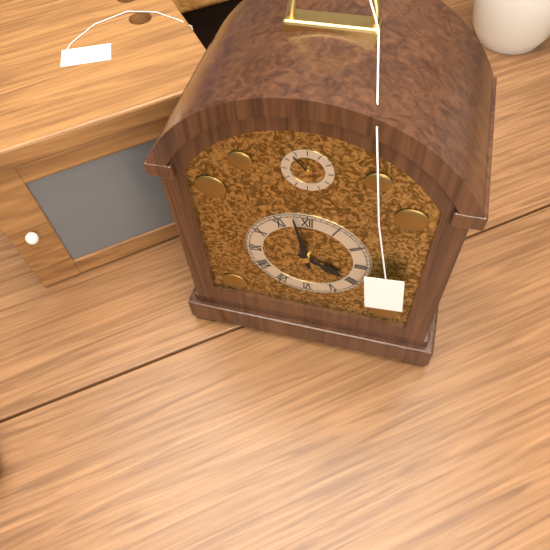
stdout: **3:58**
